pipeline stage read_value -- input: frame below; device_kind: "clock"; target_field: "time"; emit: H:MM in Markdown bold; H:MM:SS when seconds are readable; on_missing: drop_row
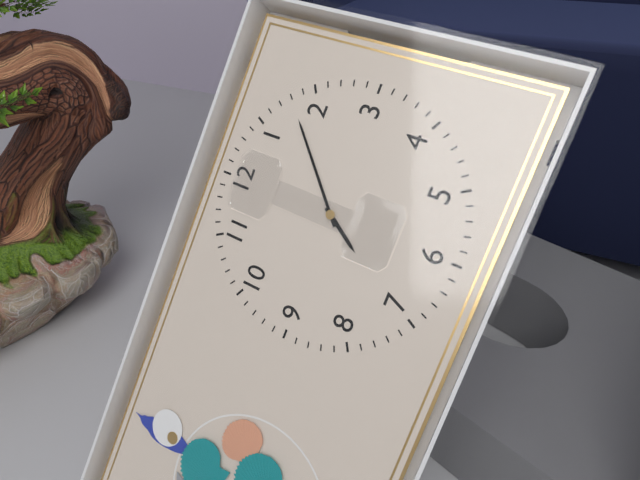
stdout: **7:08**
